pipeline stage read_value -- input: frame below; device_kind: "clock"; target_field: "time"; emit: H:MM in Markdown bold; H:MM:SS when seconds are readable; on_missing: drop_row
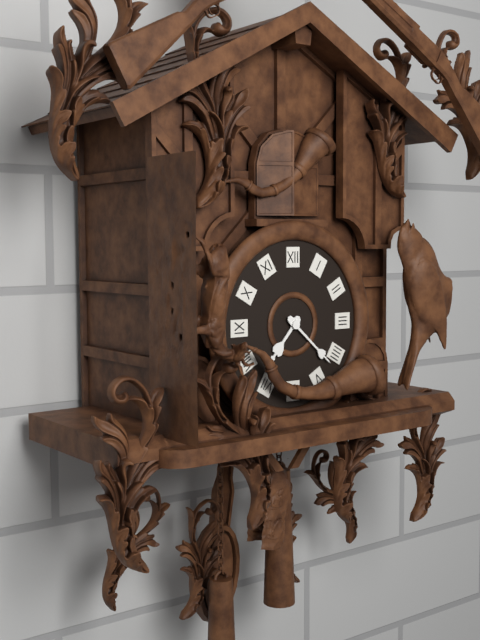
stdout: **7:22**
